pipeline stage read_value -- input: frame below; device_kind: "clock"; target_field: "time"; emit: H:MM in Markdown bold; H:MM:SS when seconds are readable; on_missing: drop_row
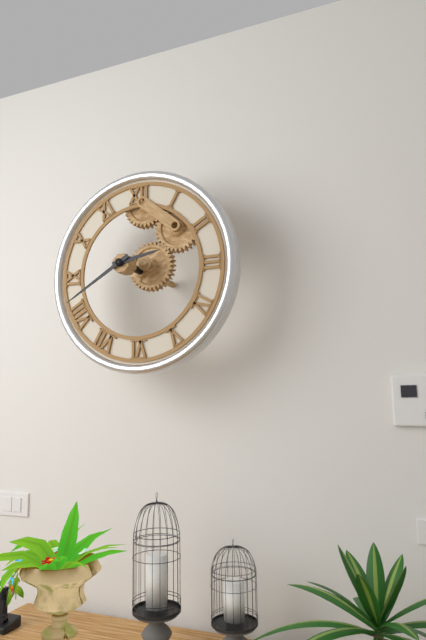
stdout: **2:40**
